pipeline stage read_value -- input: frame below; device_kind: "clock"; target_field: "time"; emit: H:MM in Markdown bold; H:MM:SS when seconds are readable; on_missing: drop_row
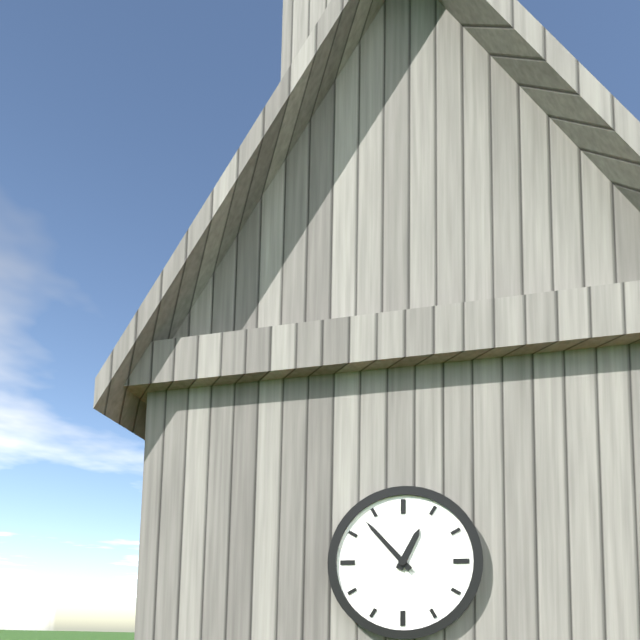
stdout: **12:53**
